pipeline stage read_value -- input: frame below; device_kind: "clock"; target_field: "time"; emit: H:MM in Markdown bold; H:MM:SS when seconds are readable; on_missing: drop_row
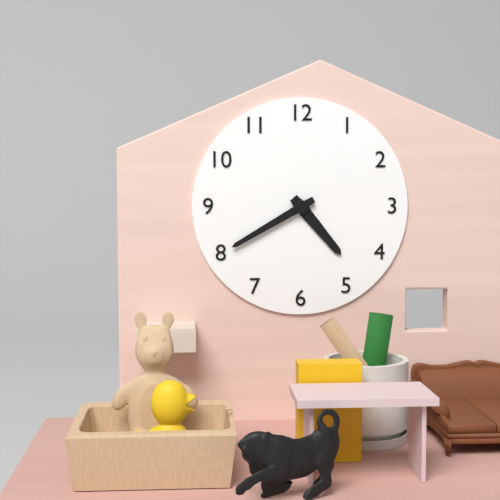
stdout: **4:40**
